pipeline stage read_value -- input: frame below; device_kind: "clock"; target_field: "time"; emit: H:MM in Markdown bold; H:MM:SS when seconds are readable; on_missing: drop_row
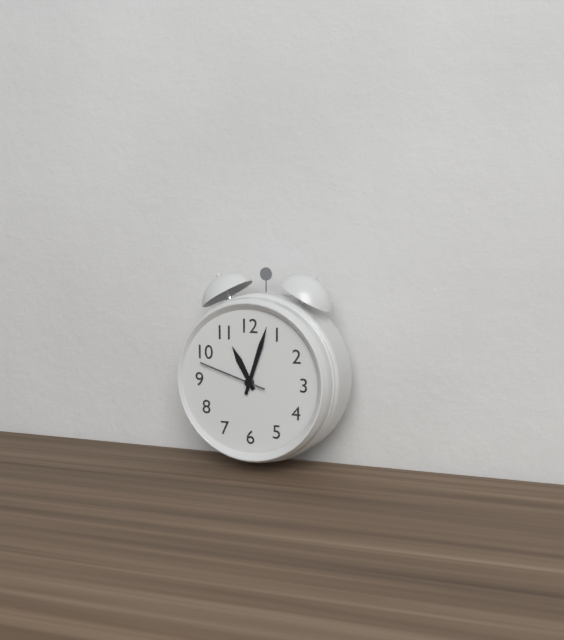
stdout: **11:03:48**
